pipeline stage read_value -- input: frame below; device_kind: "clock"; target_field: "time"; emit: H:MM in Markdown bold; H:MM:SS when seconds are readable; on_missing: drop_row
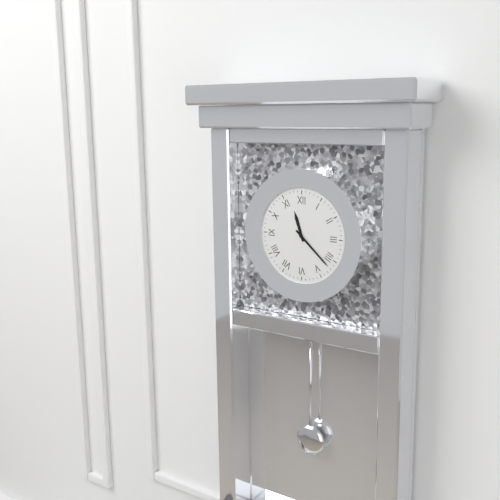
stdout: **11:22**
